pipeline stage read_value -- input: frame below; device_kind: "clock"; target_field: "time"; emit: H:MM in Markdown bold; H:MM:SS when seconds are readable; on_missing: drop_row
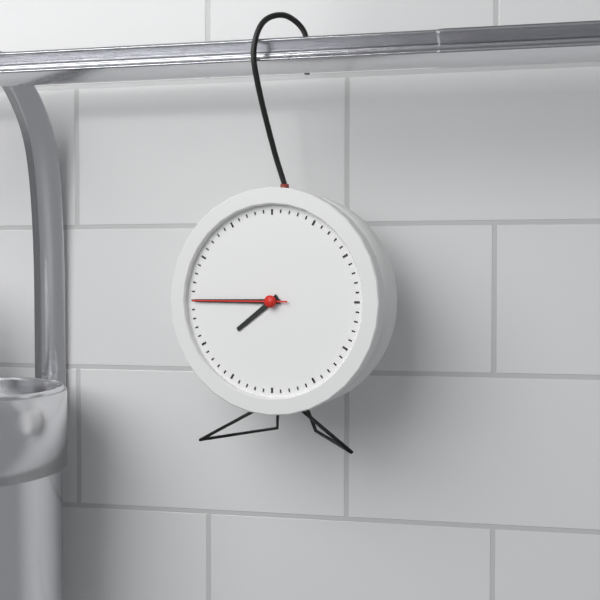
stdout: **7:45:45**
